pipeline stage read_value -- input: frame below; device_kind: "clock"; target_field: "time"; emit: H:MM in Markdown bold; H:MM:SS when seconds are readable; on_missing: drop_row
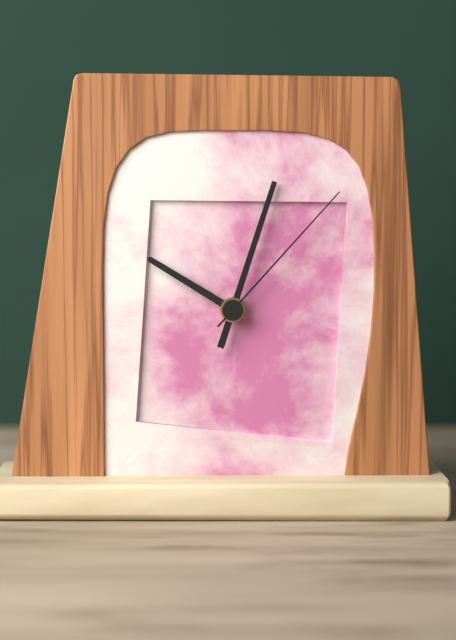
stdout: **10:03:07**
